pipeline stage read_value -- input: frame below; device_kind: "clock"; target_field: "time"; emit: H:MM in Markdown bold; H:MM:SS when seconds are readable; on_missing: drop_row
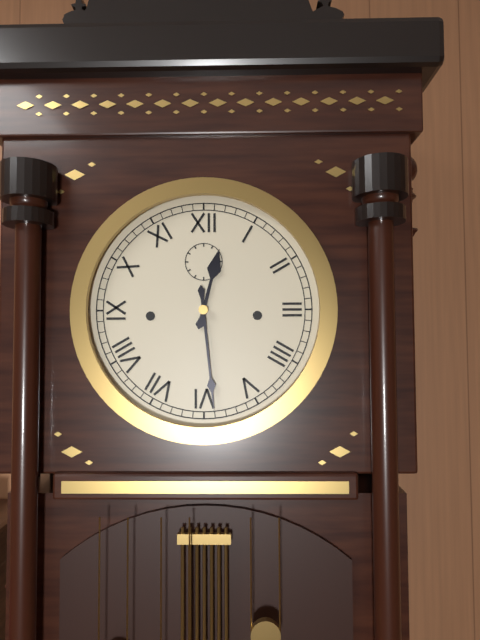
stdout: **12:29**
